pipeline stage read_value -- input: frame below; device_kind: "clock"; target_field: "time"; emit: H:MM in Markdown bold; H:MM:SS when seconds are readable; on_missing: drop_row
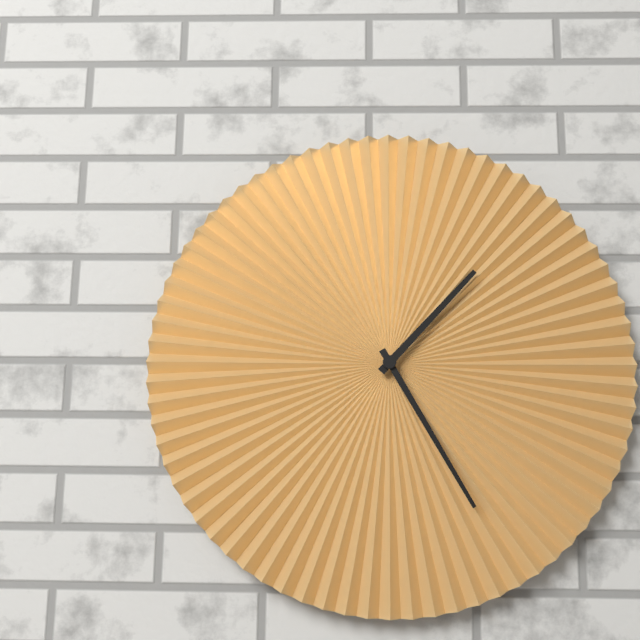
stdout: **1:25**
